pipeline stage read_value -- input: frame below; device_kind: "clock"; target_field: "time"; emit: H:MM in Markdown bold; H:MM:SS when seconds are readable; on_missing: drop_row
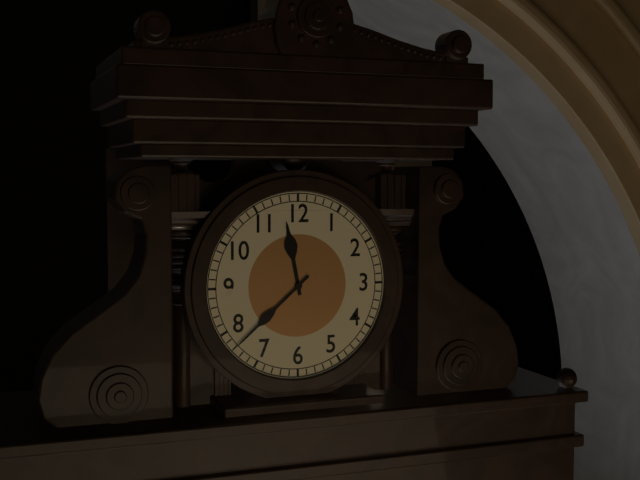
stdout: **11:38**
